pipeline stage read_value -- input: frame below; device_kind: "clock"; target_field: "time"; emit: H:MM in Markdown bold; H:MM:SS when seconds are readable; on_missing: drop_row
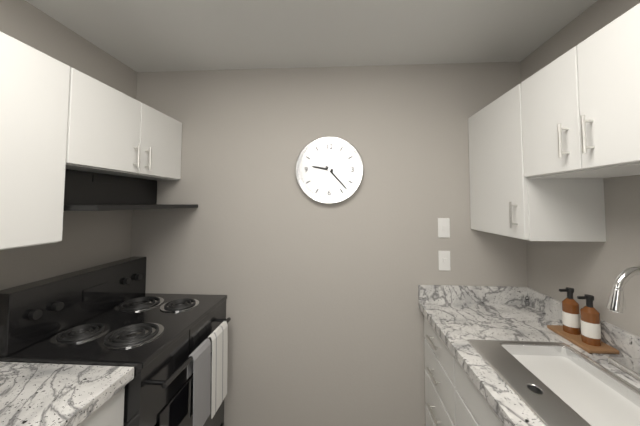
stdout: **9:23**
